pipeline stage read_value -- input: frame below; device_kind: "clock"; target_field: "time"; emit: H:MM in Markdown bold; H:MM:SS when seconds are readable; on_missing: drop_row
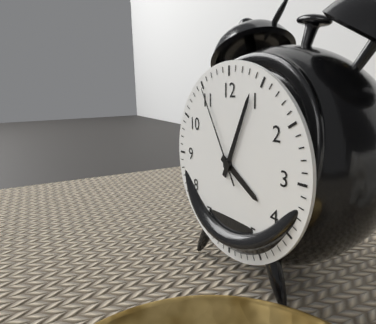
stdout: **4:04:55**
